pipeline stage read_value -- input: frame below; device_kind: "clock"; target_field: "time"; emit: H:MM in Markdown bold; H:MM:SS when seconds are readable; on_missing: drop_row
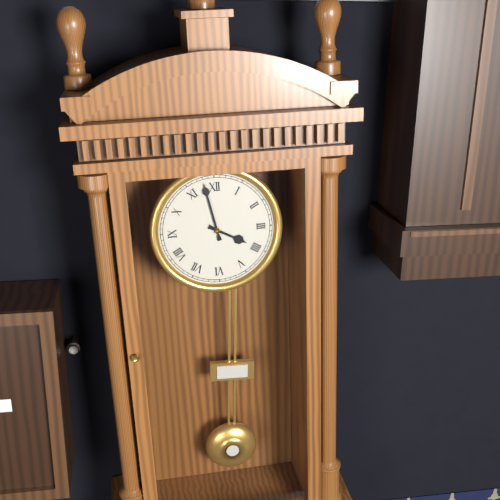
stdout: **3:58**
